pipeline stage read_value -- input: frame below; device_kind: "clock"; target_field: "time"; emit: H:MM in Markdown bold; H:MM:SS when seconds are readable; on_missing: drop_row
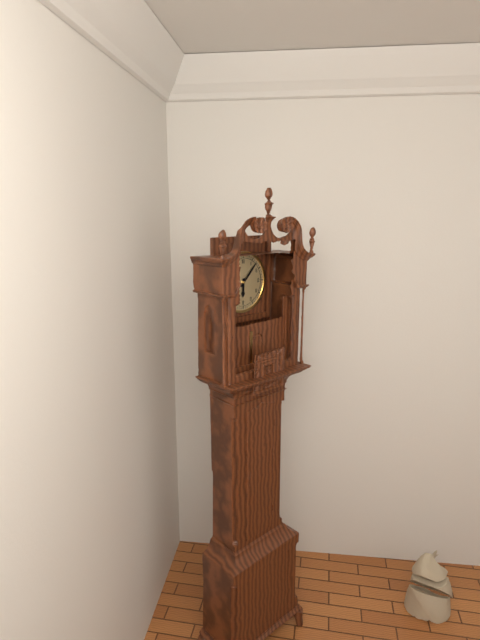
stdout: **6:07**
